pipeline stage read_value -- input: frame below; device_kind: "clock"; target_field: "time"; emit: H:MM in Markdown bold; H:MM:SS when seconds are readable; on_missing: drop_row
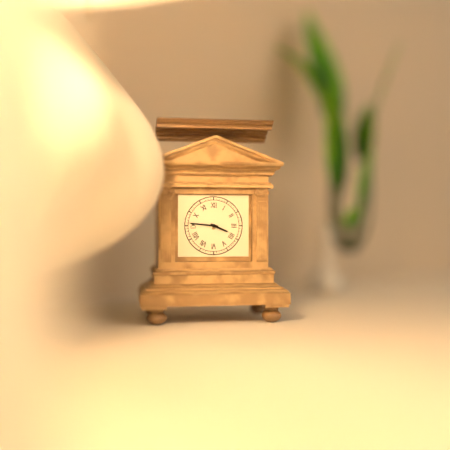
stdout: **3:46**
